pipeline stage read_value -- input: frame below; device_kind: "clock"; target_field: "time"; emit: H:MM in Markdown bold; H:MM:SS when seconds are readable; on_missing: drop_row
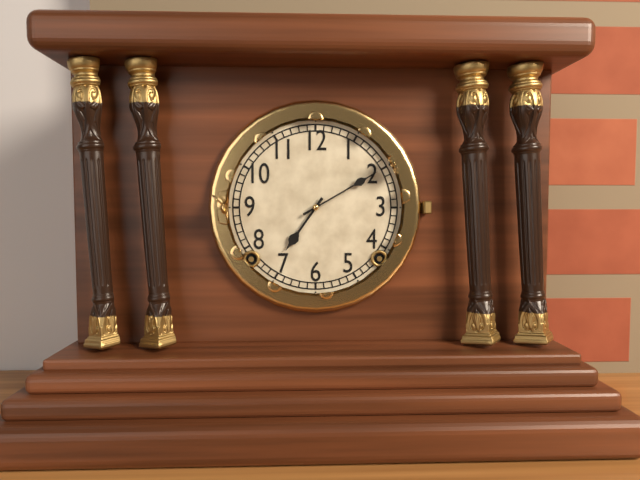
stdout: **7:10**
